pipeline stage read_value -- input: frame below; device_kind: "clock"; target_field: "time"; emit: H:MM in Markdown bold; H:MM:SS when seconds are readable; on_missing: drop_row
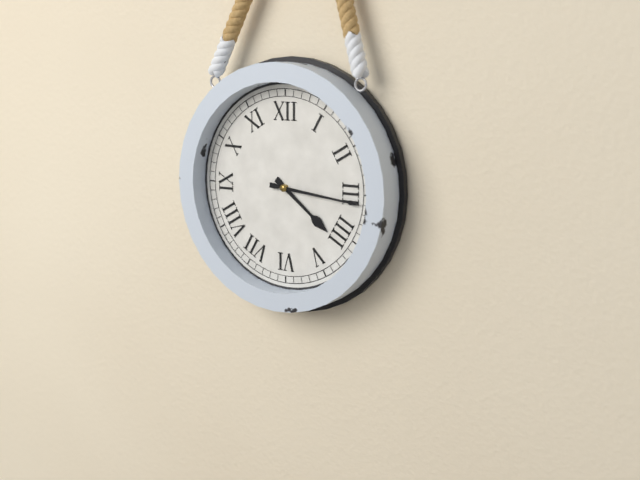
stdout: **4:16**
